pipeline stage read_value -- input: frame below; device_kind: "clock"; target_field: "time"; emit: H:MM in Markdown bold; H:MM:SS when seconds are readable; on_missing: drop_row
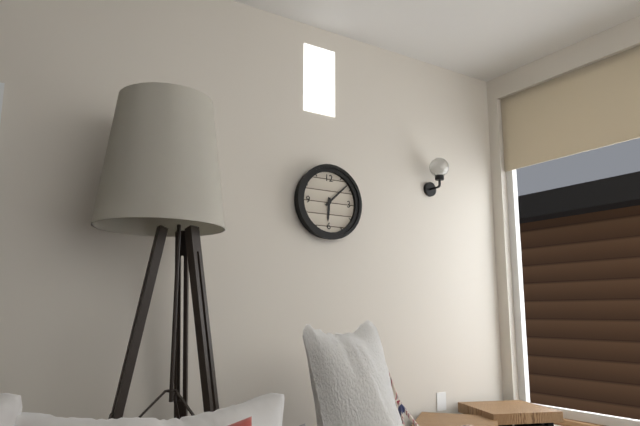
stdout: **6:08**
